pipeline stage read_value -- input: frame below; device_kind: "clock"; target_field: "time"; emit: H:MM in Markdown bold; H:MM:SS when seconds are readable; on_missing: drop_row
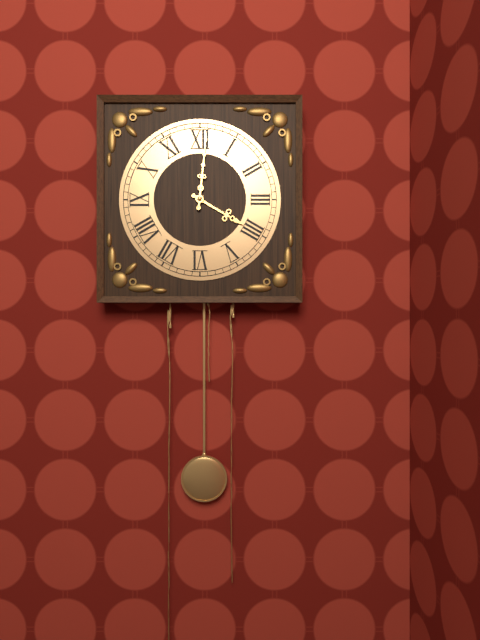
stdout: **4:01**
